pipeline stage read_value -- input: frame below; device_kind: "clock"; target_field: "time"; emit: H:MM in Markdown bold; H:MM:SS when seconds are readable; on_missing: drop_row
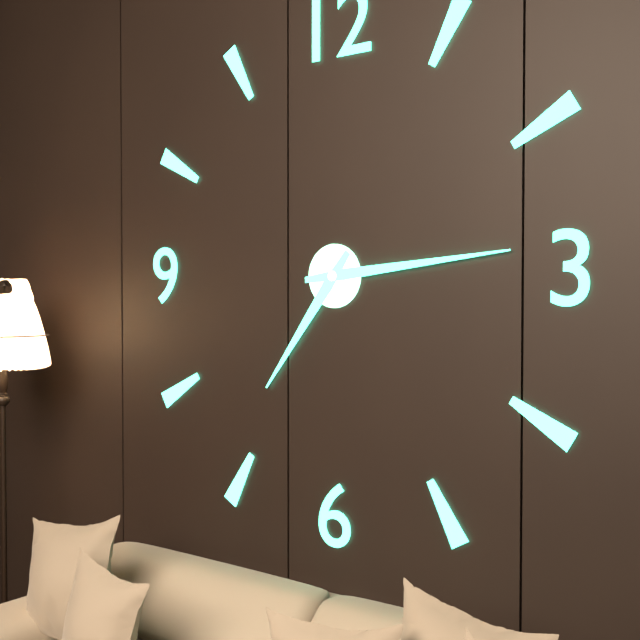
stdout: **7:14**
